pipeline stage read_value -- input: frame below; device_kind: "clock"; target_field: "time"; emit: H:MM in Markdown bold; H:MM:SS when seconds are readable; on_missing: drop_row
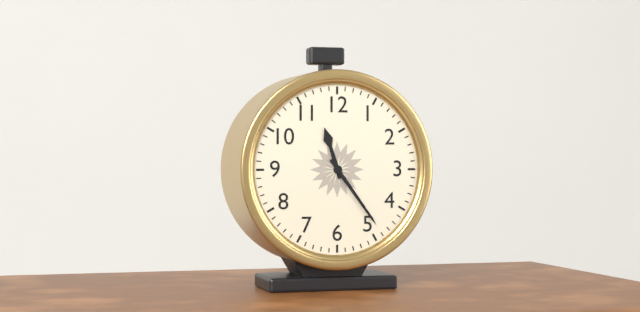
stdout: **11:24**
